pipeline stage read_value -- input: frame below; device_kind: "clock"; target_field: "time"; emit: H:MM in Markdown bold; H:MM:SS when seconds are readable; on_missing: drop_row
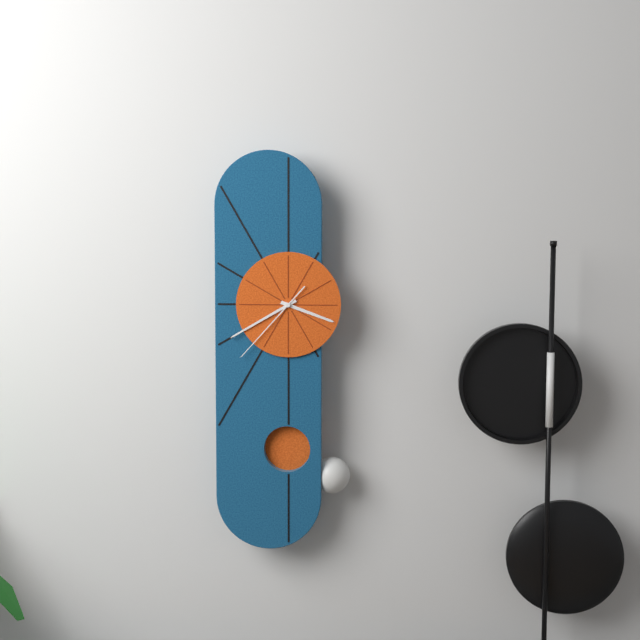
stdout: **3:40:37**
